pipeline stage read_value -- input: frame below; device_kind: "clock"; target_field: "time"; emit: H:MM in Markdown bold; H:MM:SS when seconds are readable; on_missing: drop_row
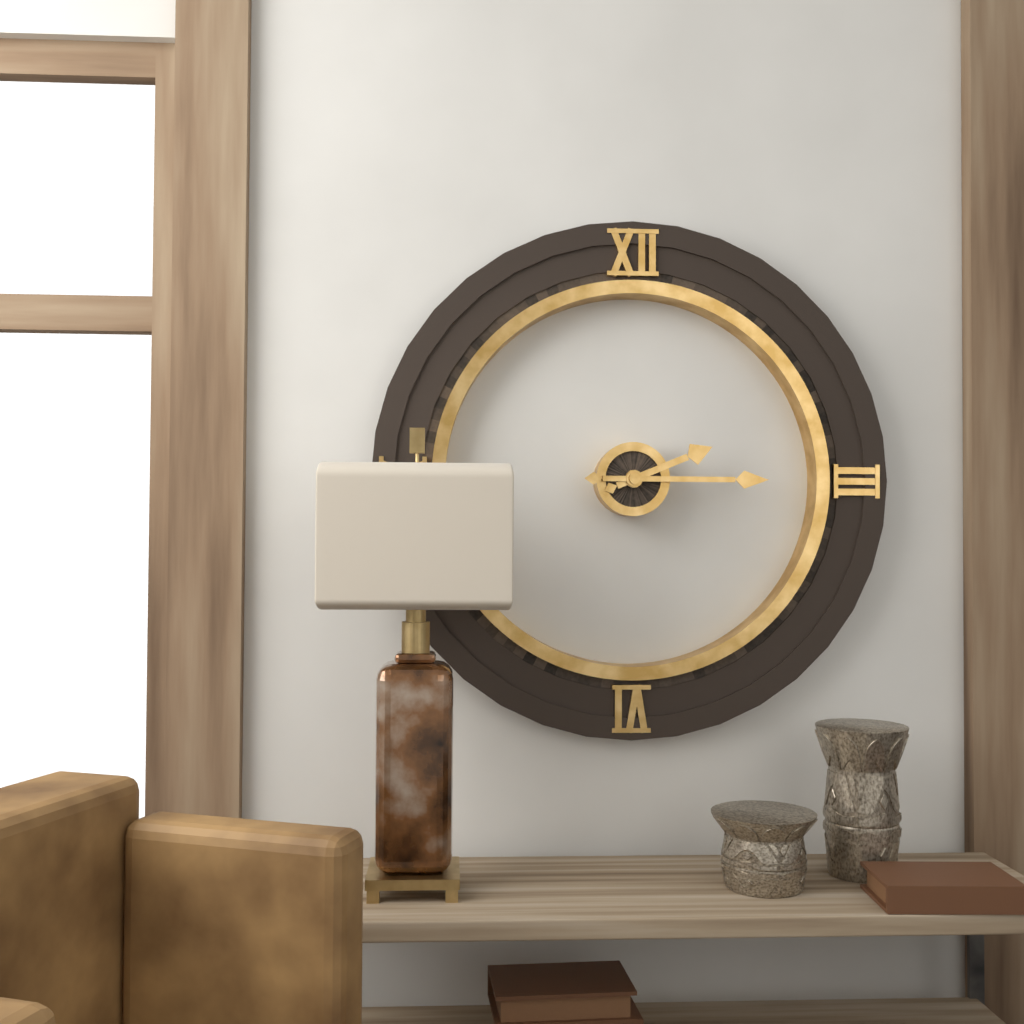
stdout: **2:15**
